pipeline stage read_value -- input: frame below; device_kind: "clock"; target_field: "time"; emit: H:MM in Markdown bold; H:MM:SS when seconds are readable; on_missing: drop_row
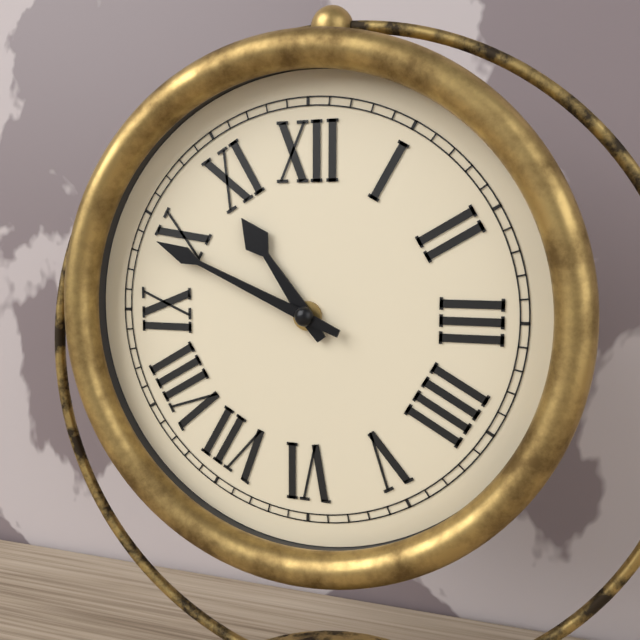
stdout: **10:49**
